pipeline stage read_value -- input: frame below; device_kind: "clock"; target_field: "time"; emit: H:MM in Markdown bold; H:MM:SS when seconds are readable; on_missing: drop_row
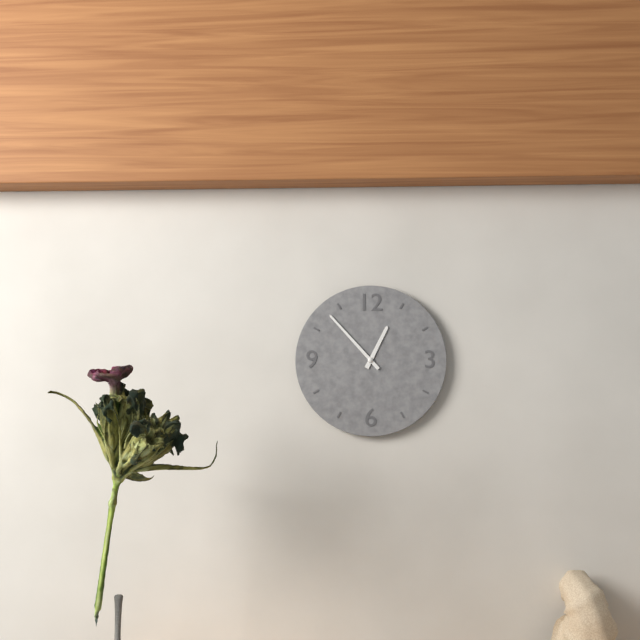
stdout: **12:53**
